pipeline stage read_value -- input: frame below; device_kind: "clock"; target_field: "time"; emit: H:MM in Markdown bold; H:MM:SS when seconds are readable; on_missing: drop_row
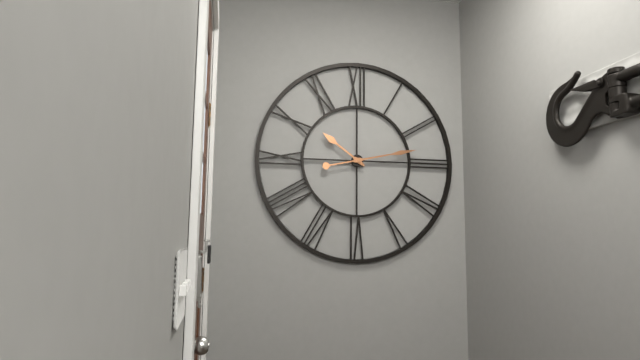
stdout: **10:13**
